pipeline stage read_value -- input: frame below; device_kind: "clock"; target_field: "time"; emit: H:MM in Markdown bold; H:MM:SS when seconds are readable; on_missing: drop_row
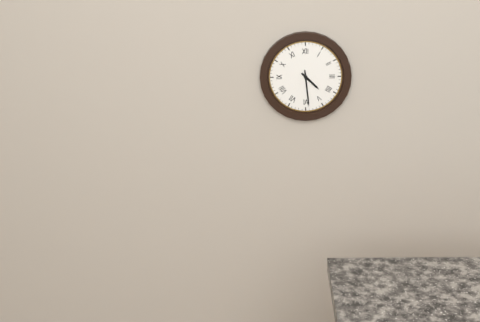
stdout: **4:29**
